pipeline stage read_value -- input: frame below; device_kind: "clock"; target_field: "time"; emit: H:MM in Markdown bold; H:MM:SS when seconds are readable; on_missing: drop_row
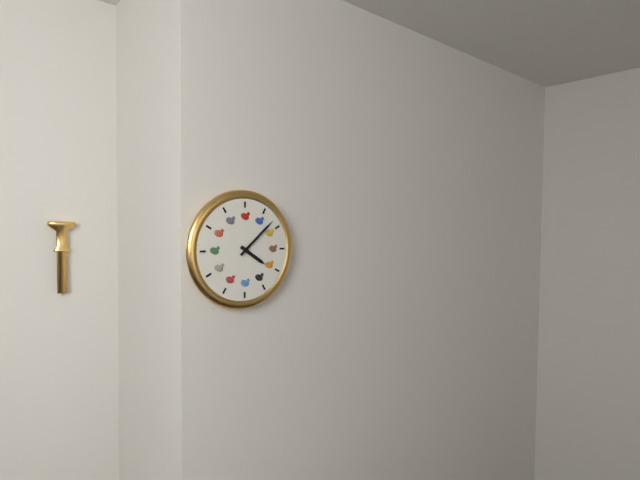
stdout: **4:08**
